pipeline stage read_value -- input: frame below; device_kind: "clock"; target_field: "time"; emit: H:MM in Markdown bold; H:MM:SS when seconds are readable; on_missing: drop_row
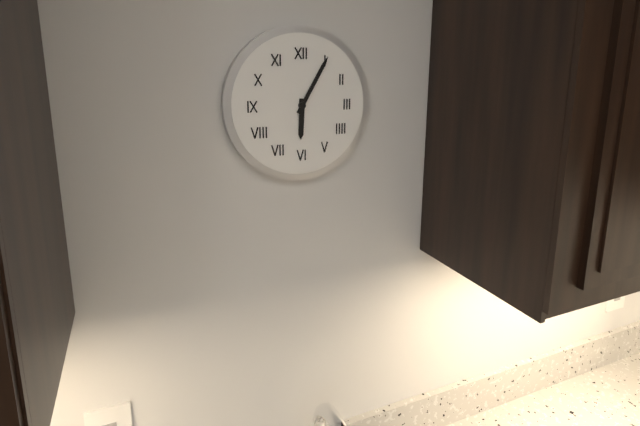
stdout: **6:05**
